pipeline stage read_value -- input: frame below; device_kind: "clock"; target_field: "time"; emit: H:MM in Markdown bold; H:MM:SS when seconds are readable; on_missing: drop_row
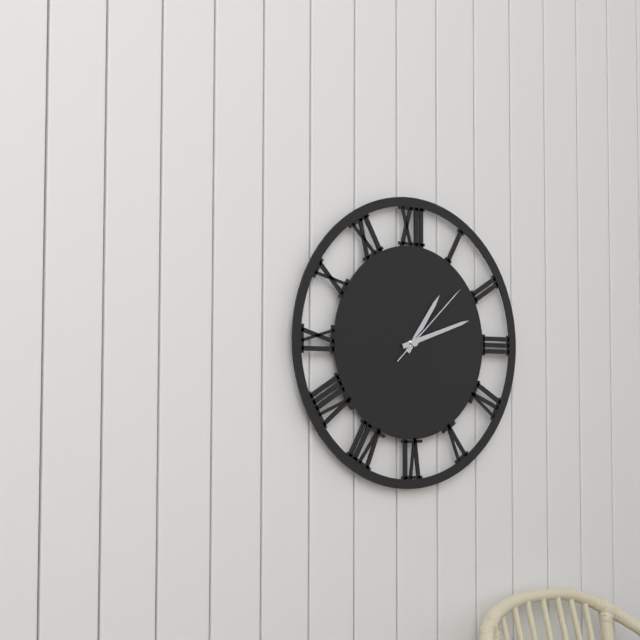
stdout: **1:12:08**
